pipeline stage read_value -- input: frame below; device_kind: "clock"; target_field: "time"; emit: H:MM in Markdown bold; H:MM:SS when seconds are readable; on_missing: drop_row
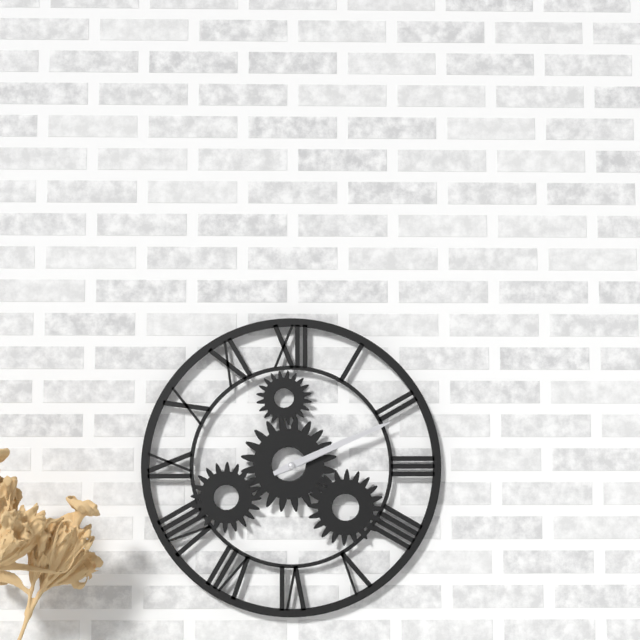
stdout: **2:11**
